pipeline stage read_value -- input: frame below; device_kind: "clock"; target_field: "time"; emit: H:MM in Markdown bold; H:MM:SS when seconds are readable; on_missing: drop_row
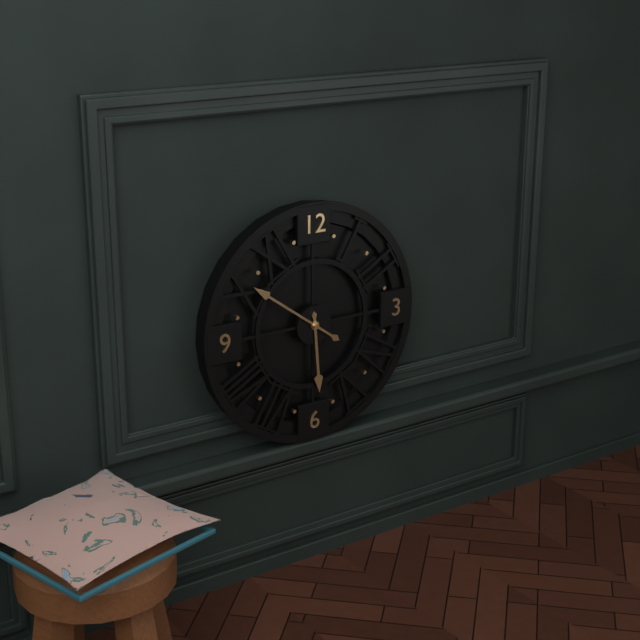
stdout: **5:51**
